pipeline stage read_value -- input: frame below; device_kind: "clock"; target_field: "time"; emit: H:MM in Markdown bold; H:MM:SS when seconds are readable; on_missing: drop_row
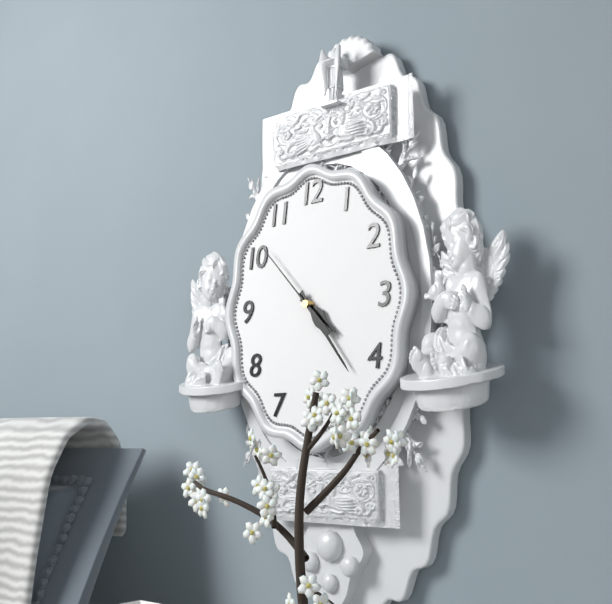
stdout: **4:24:53**
